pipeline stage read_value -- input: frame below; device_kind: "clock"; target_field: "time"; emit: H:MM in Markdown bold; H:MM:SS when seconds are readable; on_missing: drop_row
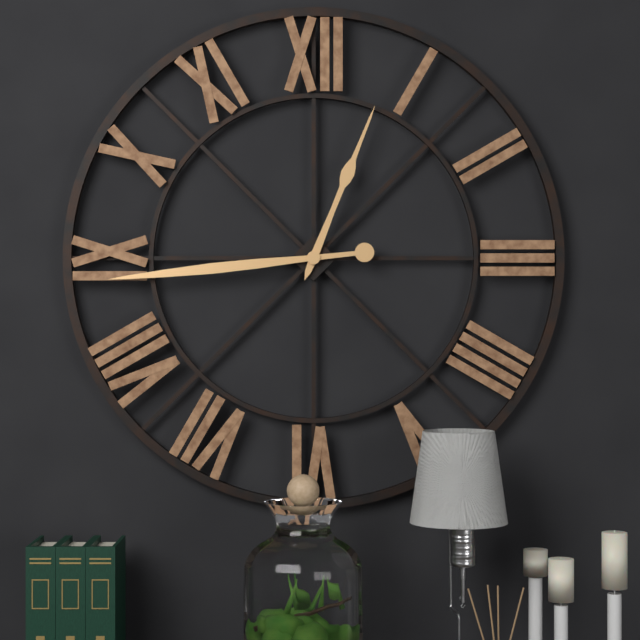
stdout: **12:44**
